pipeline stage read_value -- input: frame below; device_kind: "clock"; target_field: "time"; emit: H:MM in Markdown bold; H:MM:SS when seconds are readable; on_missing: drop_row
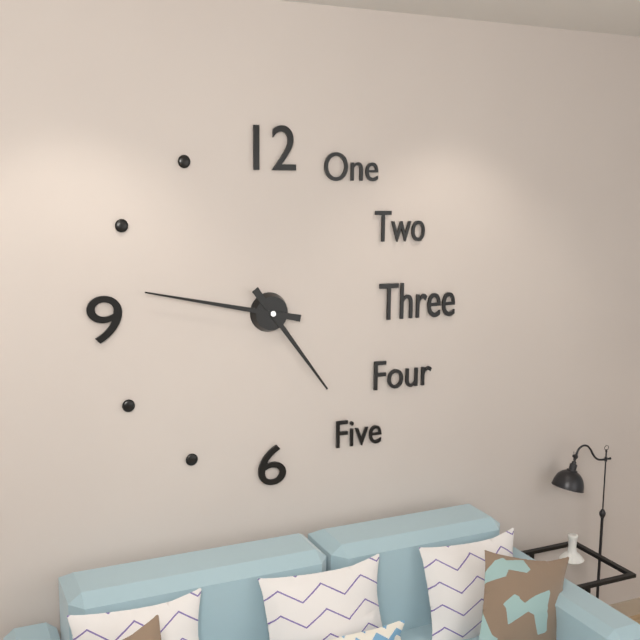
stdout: **4:47**
